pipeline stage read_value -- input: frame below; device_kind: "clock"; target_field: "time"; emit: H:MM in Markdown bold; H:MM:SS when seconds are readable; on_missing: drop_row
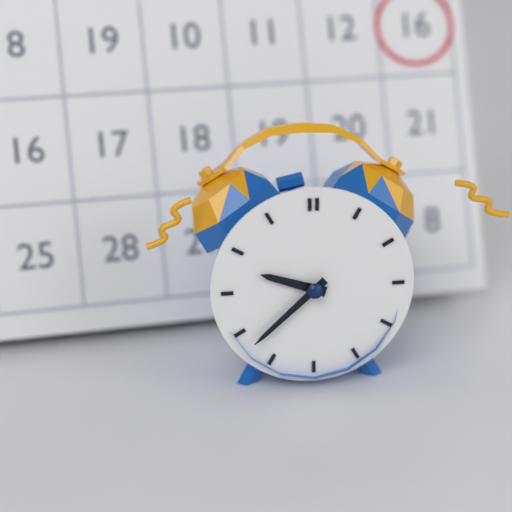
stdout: **9:38**
